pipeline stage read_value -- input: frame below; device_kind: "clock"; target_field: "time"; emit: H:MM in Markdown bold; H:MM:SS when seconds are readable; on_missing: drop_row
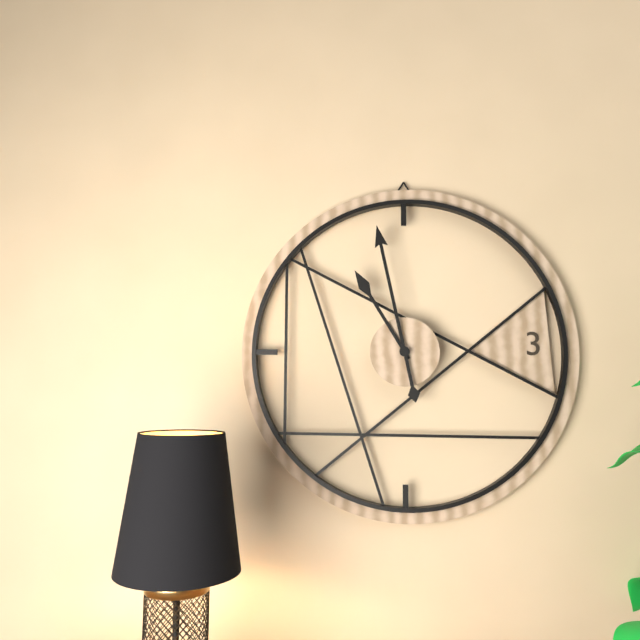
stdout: **10:58**
